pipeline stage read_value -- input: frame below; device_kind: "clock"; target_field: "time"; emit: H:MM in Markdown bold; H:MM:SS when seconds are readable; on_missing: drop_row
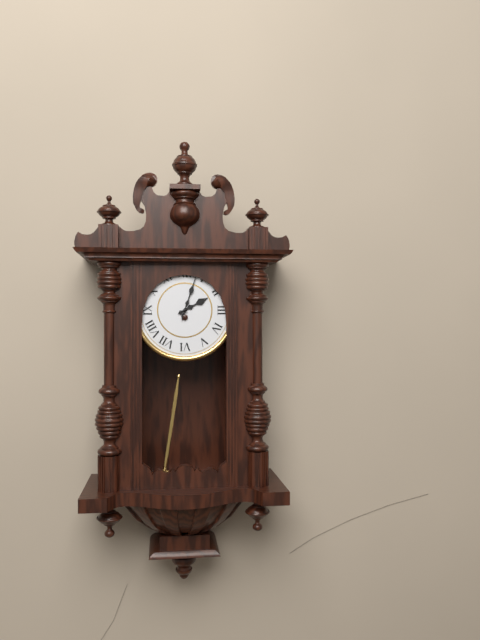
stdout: **2:03**
